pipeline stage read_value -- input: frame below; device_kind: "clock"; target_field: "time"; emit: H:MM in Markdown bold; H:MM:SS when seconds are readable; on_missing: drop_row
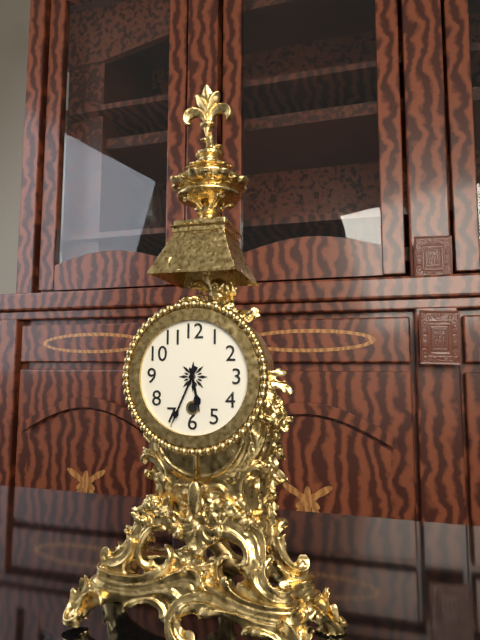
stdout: **5:34**
